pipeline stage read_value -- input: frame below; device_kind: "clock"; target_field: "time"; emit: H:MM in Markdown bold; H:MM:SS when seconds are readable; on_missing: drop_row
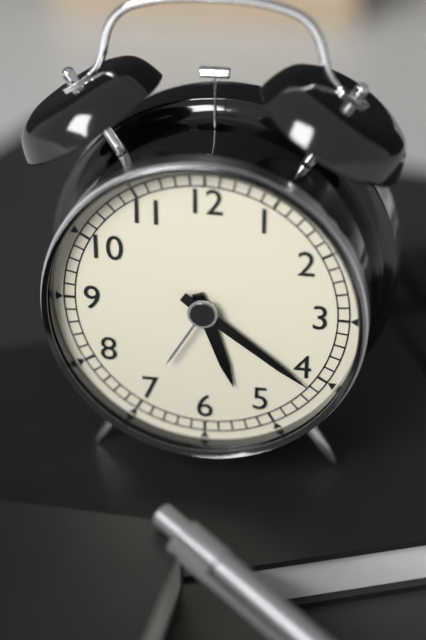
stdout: **5:21**
